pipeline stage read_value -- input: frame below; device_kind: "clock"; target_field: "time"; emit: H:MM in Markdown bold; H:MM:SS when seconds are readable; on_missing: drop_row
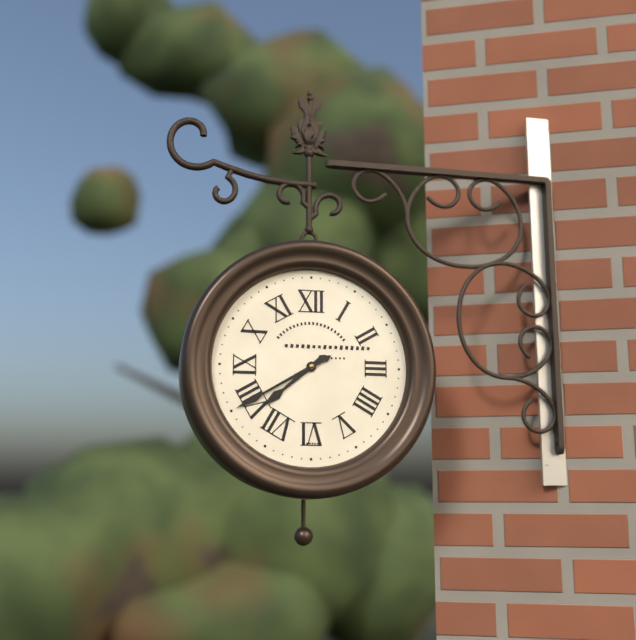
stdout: **7:40**
